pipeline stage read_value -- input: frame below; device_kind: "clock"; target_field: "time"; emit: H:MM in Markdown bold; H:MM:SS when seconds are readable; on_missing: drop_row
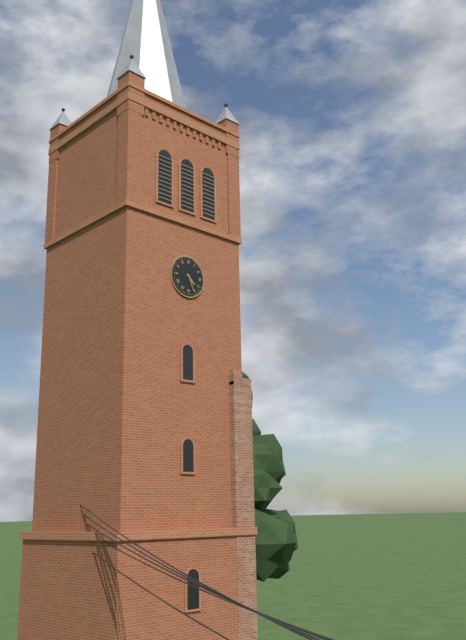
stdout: **4:26**
